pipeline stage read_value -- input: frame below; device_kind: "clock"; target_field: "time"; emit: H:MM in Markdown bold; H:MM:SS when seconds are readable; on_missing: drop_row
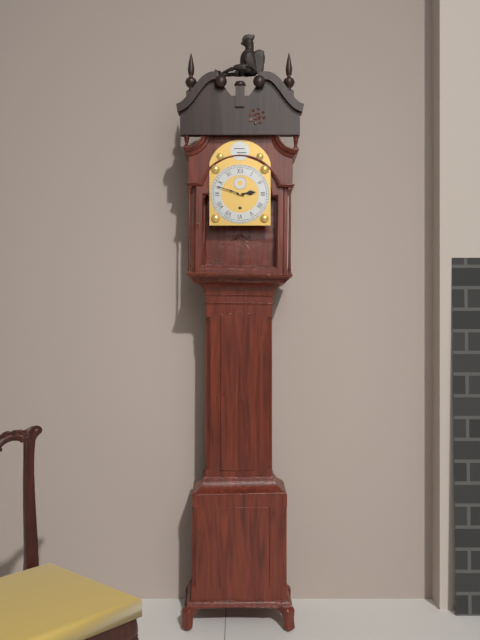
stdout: **2:48**
